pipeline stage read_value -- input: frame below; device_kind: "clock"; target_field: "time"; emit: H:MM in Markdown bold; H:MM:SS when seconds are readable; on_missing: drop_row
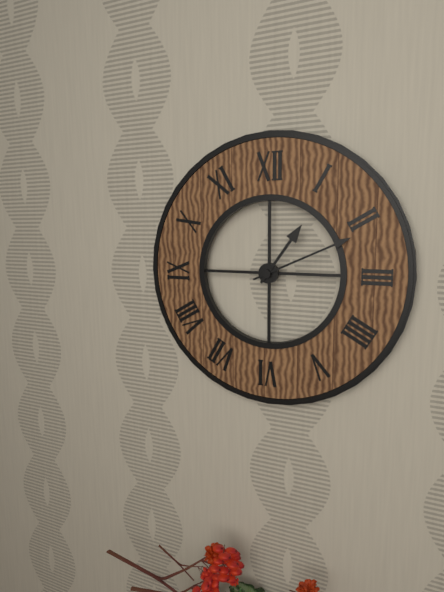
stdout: **1:11**
